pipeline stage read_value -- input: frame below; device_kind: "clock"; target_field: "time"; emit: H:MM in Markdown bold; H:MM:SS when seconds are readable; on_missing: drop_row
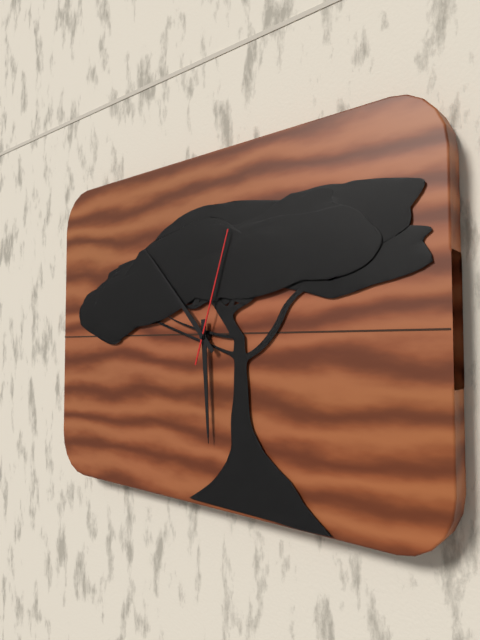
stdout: **5:53:03**
